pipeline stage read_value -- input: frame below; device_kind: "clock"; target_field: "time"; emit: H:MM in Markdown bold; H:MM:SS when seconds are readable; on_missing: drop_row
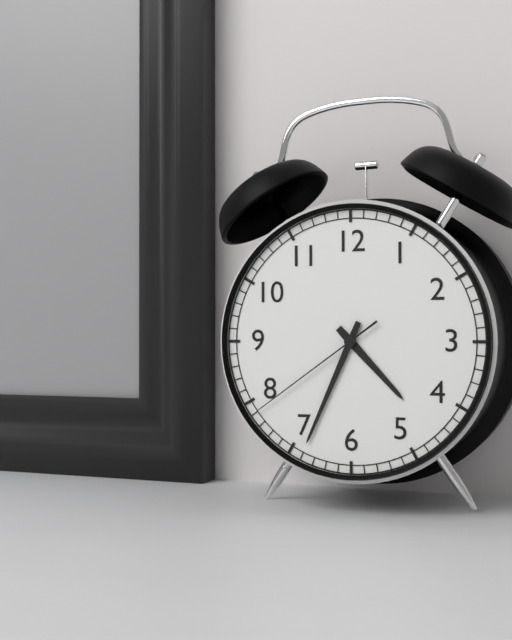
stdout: **4:34:39**
